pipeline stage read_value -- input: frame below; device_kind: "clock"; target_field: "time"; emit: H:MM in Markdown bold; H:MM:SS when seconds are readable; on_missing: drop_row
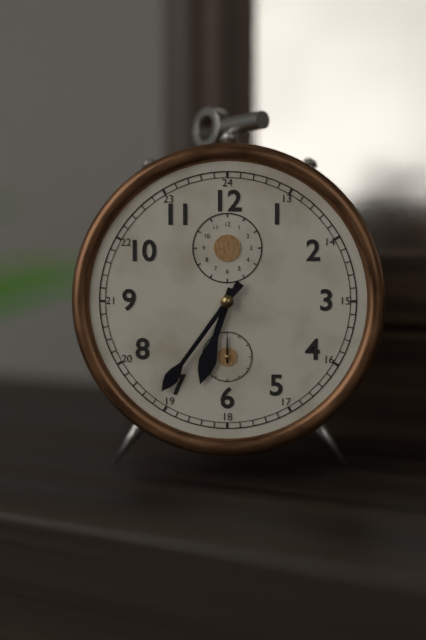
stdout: **6:36**
